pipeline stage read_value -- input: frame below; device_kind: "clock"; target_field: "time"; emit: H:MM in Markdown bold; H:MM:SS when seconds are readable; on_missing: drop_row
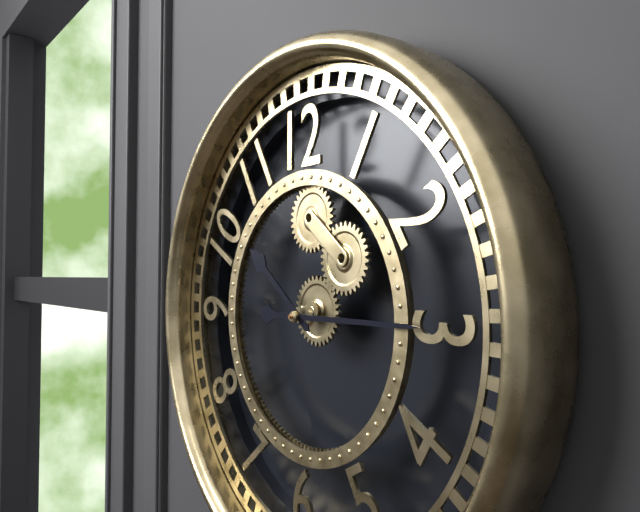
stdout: **10:15**
